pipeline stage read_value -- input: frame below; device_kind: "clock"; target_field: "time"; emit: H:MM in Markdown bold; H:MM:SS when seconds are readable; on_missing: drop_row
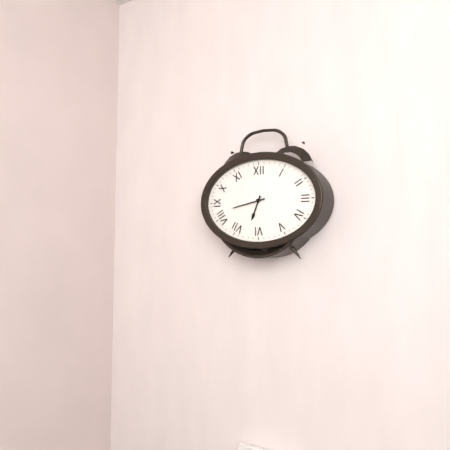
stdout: **6:43**
